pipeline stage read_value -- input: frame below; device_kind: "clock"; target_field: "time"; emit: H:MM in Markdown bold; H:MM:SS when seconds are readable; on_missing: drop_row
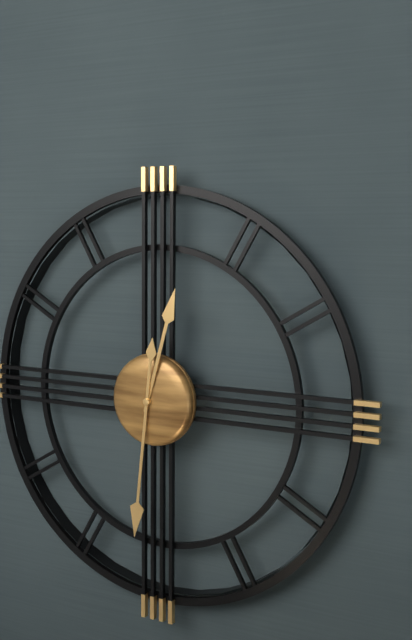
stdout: **12:31**
